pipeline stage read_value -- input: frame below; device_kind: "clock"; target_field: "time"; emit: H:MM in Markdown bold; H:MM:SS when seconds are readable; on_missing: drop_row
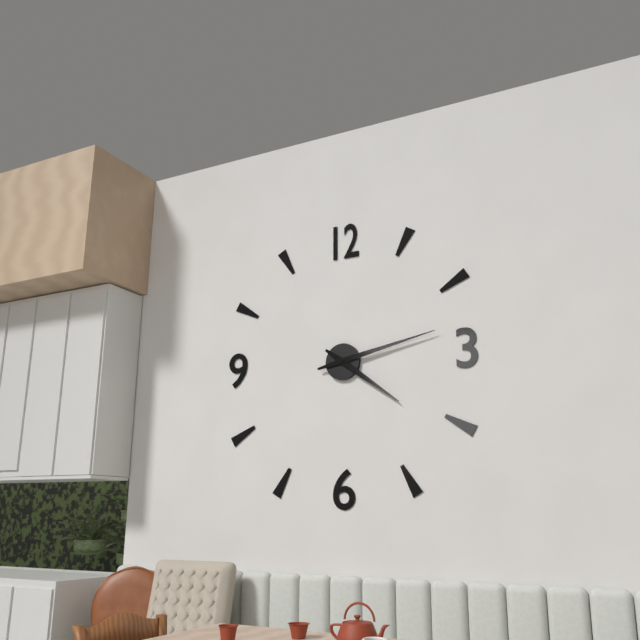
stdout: **4:13**
